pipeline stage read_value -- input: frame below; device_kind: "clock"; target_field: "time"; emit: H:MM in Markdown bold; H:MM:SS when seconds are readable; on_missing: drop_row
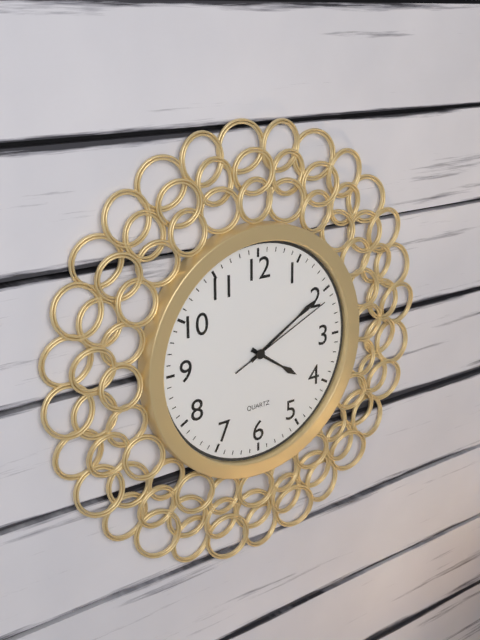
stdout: **4:10:11**
